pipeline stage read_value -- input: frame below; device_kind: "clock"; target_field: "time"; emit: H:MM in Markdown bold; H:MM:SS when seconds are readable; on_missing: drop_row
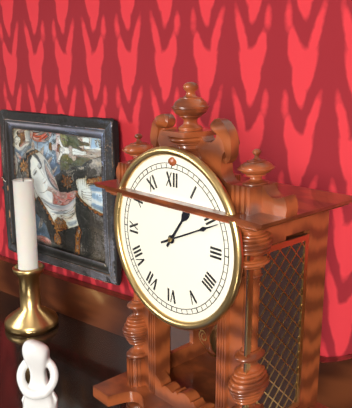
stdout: **1:11**
